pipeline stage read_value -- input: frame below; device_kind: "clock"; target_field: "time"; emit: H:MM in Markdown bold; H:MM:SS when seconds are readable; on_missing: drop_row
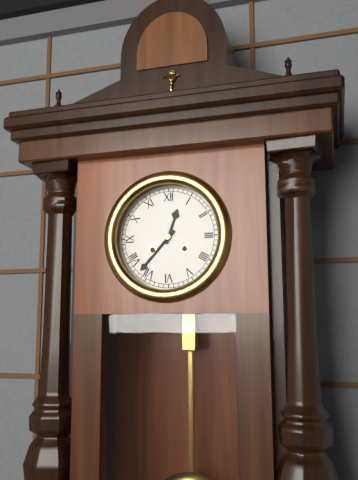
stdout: **12:37**
